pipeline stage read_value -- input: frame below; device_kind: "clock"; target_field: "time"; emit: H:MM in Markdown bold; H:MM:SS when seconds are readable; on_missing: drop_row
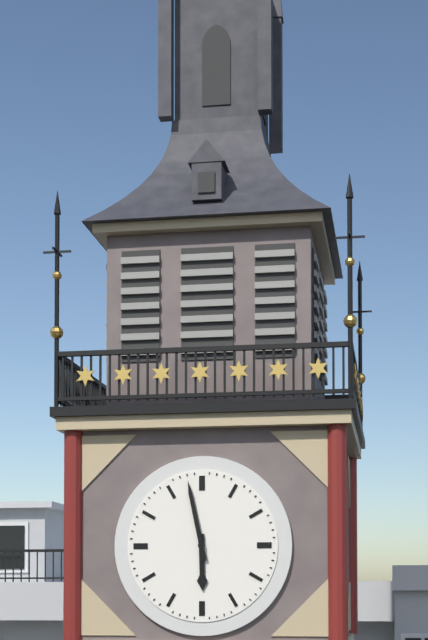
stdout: **5:58**
